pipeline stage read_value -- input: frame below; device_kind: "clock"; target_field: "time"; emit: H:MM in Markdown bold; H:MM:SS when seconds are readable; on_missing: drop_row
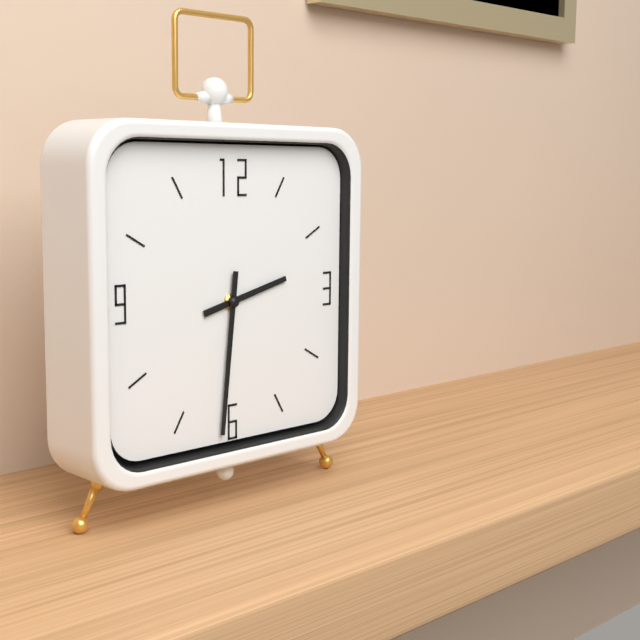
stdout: **2:31**
